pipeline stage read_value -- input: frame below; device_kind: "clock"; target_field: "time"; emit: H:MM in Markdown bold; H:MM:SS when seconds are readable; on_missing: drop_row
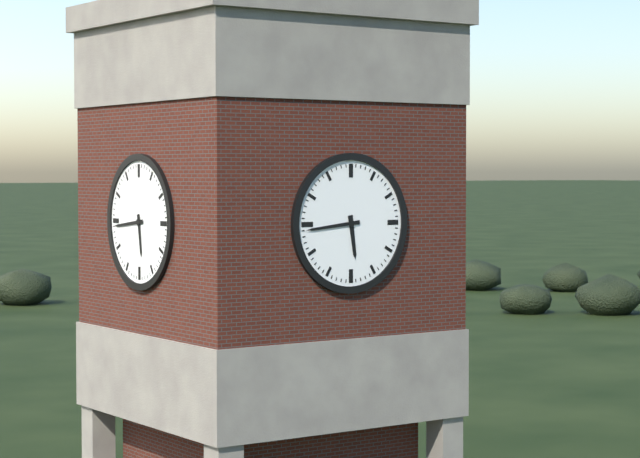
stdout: **5:44**
